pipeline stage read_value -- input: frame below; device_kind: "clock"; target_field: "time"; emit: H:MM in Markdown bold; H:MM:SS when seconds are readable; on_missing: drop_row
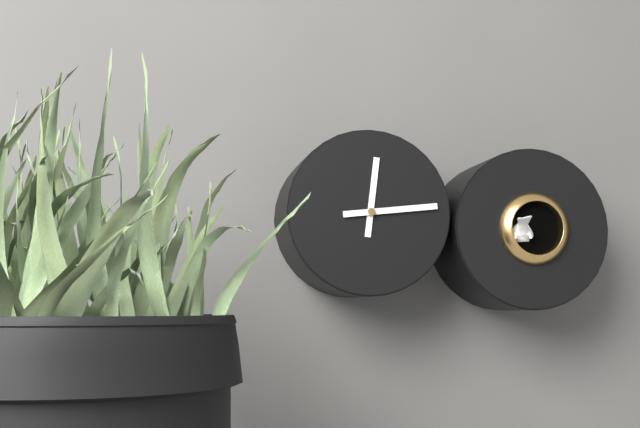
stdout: **12:14**
